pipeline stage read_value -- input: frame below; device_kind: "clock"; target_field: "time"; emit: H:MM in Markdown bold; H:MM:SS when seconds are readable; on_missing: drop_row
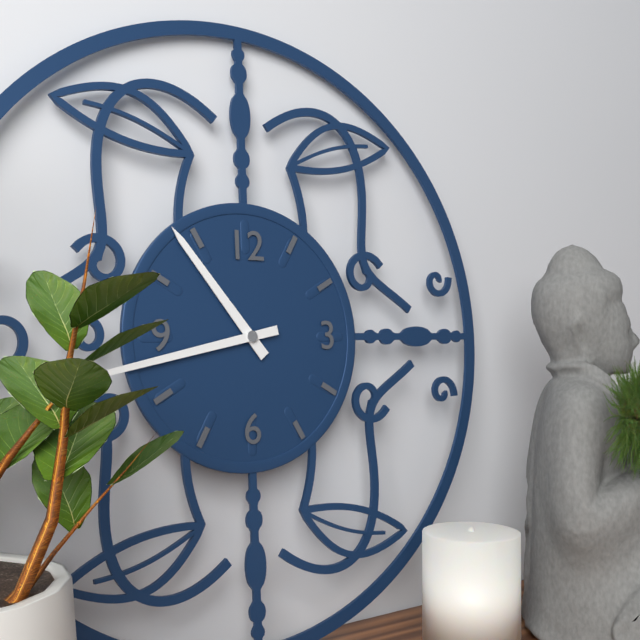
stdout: **10:43**
